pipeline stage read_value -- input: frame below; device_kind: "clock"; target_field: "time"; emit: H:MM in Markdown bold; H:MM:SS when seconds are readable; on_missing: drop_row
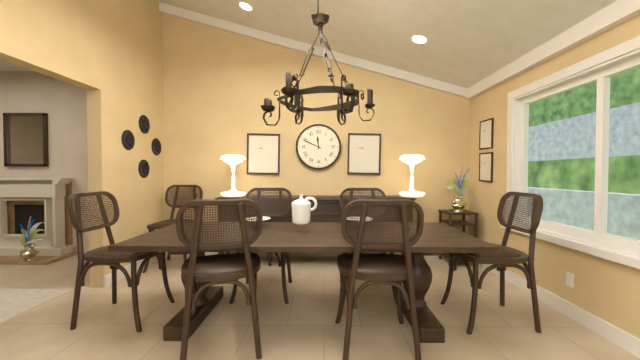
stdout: **11:49**
